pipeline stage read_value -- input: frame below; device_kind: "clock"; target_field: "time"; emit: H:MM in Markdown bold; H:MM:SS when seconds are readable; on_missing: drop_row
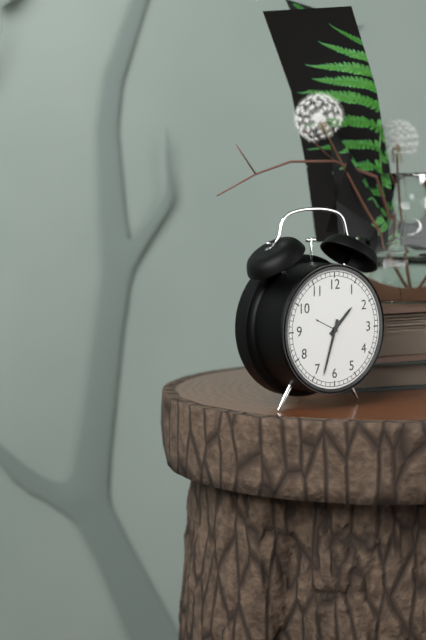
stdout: **1:33**
